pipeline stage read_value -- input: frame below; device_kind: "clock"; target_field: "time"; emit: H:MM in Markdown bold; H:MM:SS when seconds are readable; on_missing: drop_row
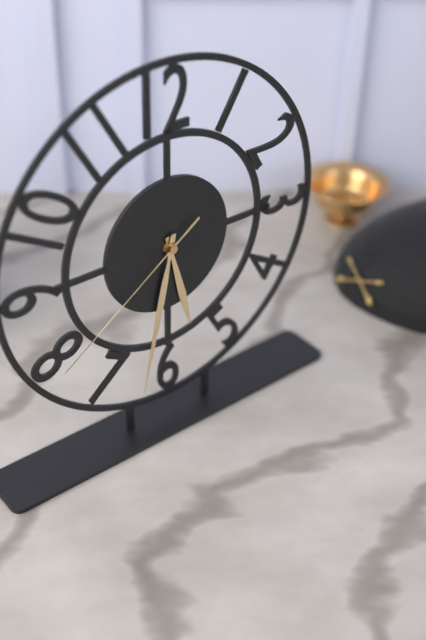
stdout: **5:32:39**
